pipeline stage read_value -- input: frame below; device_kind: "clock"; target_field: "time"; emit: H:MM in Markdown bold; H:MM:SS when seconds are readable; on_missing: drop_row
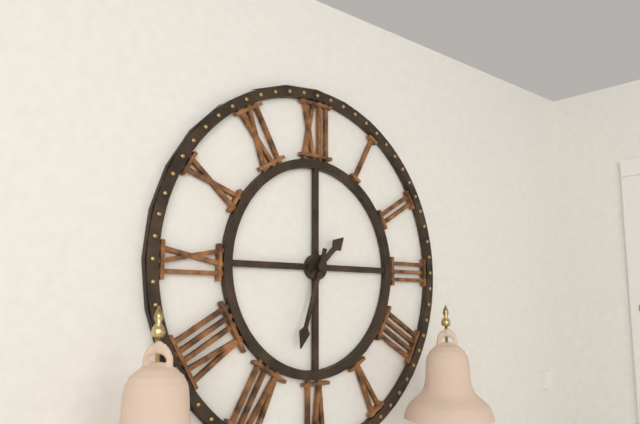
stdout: **1:33**
